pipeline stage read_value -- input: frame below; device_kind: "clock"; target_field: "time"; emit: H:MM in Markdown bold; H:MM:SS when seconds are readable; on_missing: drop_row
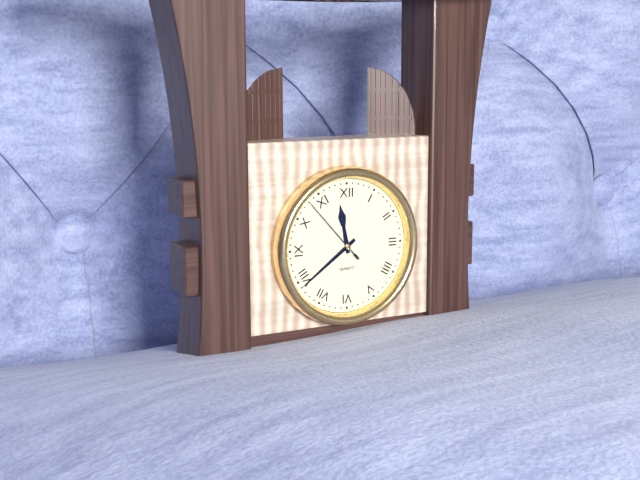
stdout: **11:39:53**
